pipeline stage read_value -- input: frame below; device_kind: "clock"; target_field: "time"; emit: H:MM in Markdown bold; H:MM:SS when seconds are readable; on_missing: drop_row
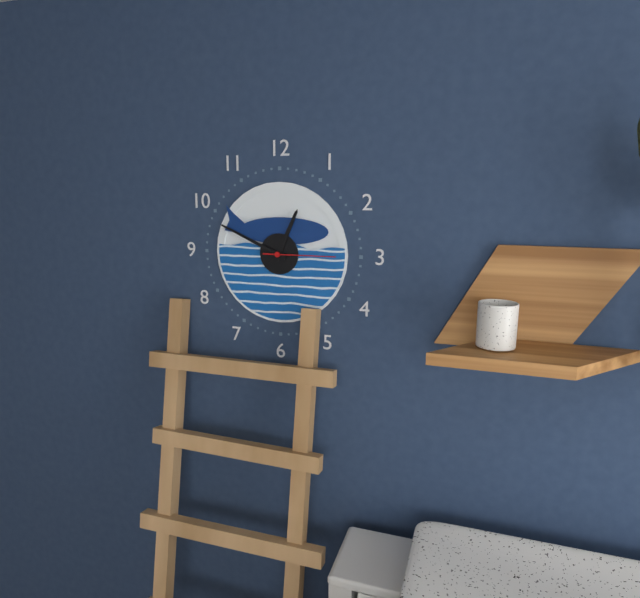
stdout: **12:49:15**
